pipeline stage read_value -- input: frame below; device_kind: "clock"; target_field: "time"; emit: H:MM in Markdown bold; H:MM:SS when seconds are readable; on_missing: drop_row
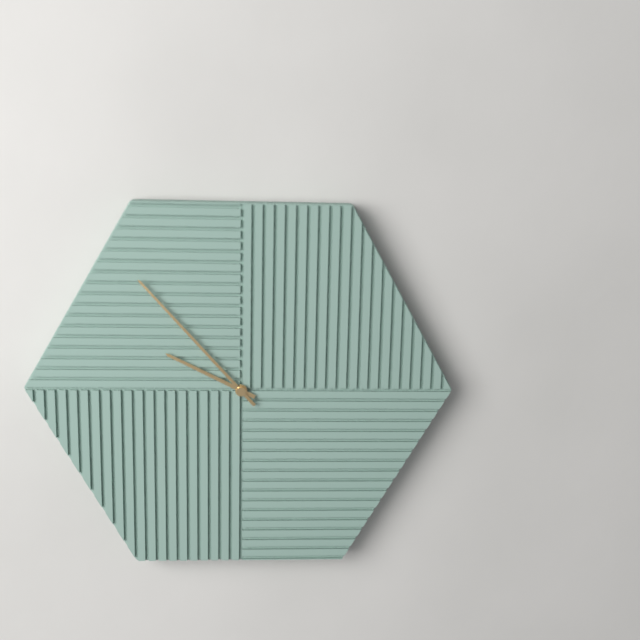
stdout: **9:53**
